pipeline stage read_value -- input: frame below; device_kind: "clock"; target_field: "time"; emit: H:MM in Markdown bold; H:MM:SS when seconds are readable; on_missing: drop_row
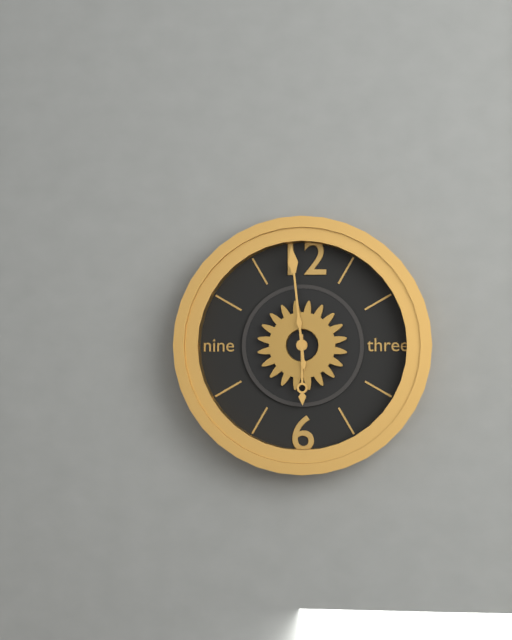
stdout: **5:59**
